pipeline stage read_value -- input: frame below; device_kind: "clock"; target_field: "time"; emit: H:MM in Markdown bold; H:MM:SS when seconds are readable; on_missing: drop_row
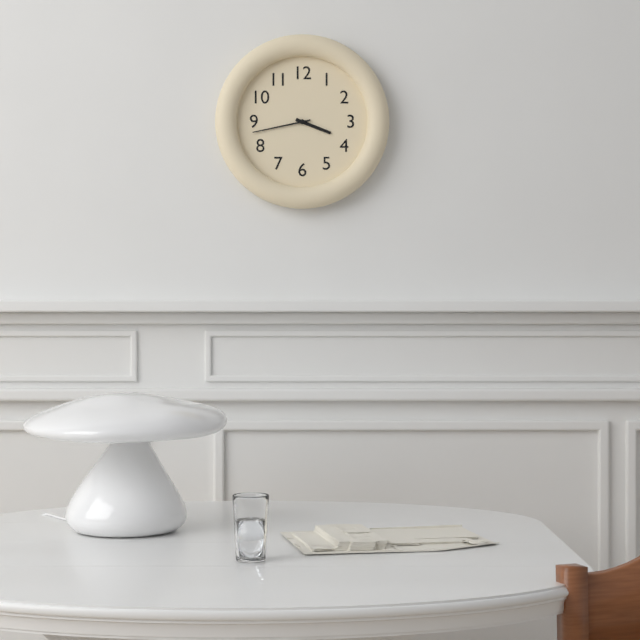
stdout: **3:43**
